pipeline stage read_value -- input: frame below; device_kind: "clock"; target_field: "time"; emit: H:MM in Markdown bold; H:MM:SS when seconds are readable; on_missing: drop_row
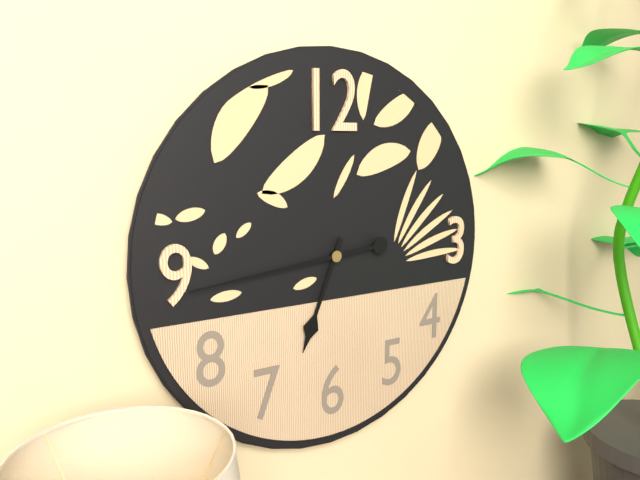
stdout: **6:44**
